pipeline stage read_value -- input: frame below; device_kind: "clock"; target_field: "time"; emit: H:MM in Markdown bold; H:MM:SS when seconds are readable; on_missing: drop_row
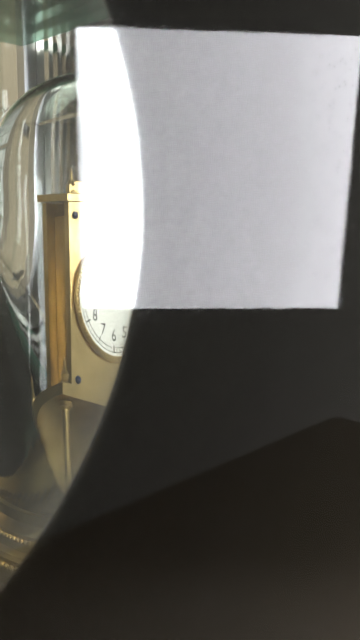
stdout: **9:49**
